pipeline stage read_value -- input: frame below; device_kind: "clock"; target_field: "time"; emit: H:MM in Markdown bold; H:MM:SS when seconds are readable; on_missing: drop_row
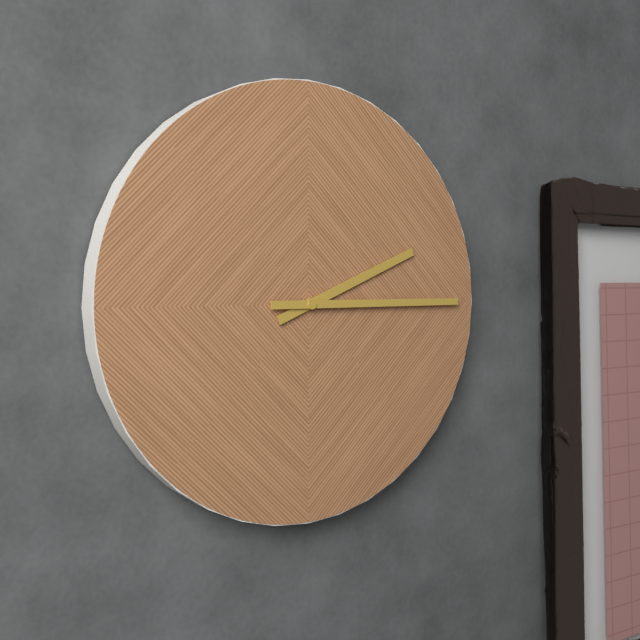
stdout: **2:15**
